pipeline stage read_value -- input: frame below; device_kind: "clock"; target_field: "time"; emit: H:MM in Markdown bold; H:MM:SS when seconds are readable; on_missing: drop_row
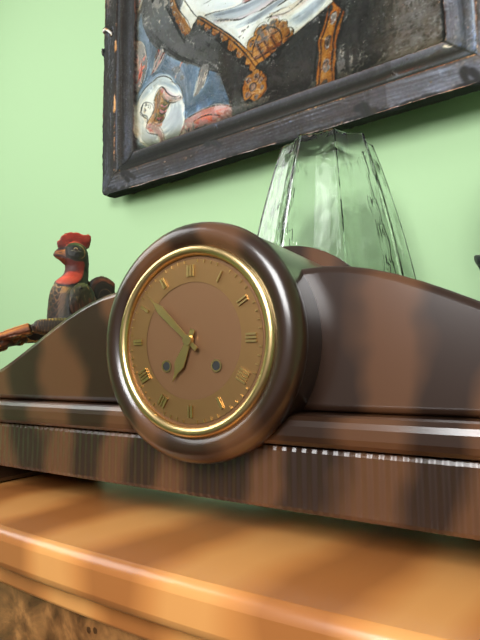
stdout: **6:52**
